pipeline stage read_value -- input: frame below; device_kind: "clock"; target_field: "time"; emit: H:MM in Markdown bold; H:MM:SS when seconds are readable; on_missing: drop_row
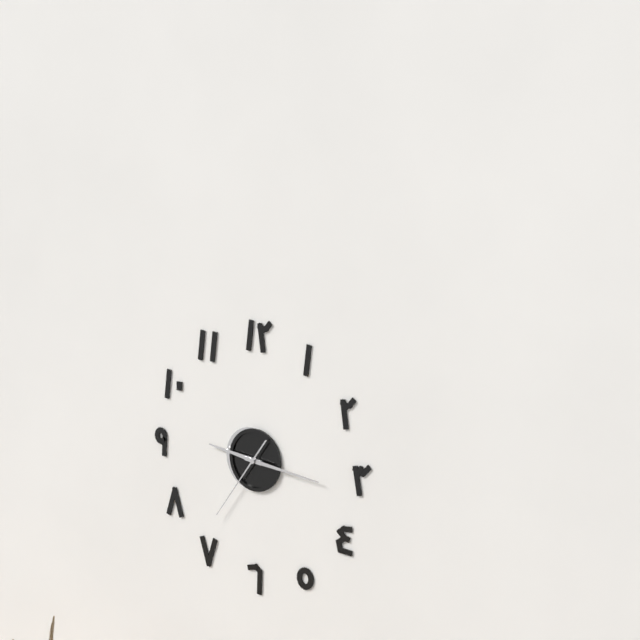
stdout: **9:16:36**
